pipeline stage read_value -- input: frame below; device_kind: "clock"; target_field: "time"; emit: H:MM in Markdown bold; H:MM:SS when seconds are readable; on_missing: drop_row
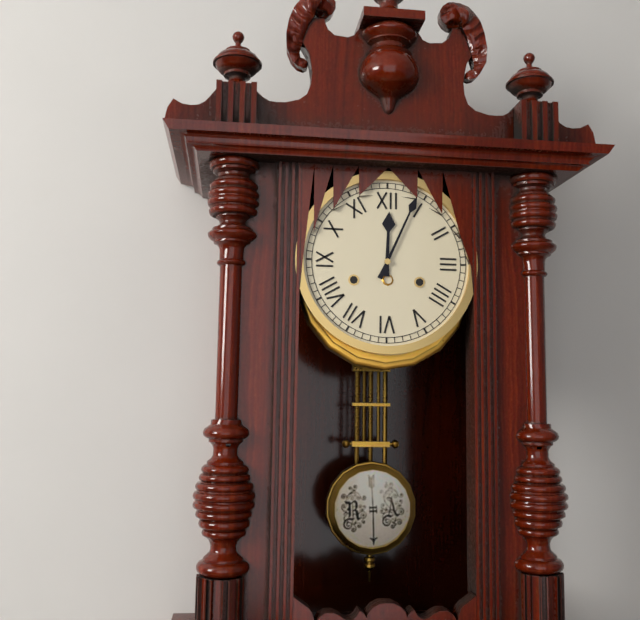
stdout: **12:04**
